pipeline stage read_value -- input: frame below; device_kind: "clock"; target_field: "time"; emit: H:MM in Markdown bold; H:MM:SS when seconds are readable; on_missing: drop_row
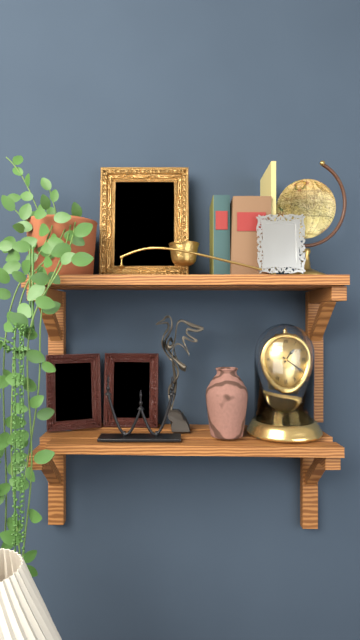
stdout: **1:20**
